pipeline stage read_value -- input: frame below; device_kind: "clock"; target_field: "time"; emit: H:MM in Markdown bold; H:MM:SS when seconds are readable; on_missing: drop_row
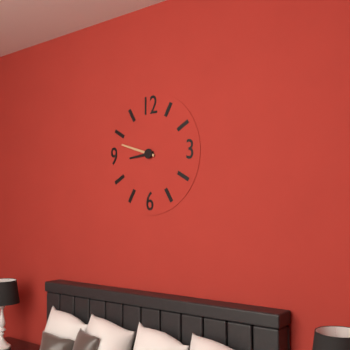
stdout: **8:48**
